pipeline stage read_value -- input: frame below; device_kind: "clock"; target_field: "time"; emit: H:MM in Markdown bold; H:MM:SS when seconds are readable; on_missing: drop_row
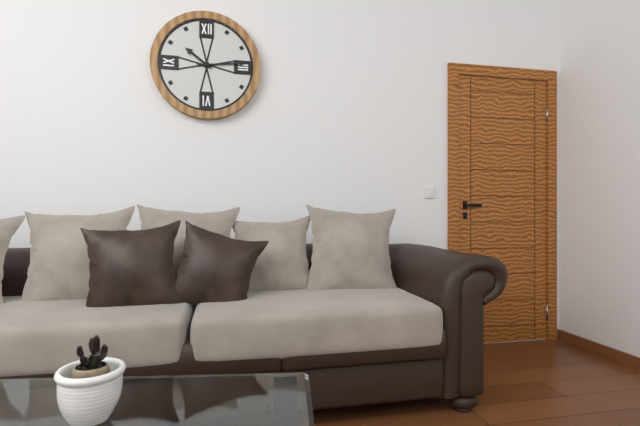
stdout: **10:14**
